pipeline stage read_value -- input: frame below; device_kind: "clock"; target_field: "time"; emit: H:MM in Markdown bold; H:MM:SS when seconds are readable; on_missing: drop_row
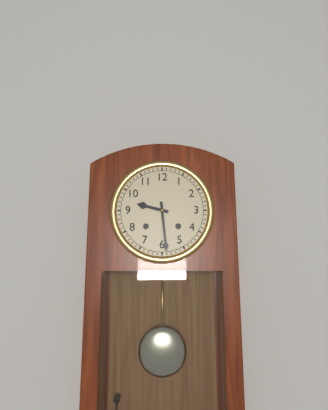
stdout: **9:29**
